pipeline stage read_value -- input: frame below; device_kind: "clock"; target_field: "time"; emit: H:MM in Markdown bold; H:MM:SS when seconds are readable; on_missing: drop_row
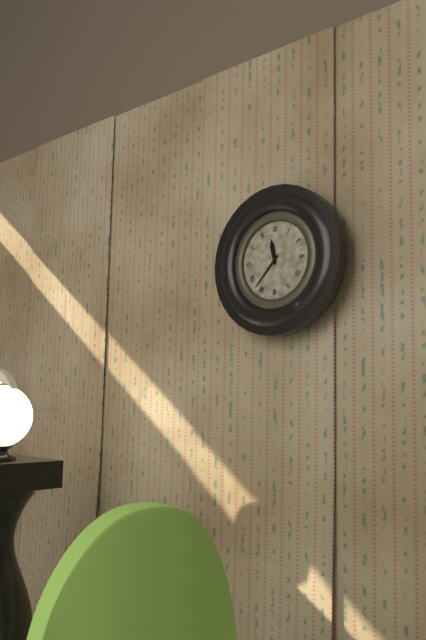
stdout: **11:37**
